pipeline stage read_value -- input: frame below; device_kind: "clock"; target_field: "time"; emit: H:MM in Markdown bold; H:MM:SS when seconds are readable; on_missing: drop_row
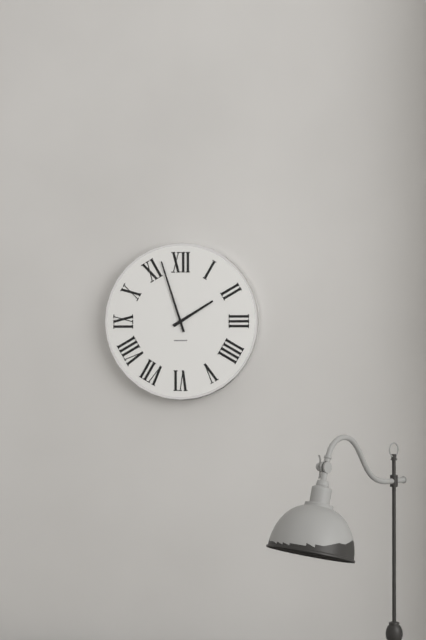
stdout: **1:57**
